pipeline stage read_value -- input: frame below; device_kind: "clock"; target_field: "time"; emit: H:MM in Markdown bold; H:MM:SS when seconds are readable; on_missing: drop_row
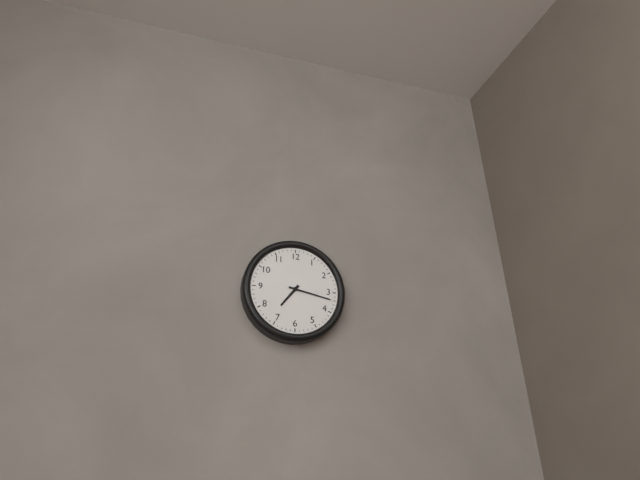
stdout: **7:17**
